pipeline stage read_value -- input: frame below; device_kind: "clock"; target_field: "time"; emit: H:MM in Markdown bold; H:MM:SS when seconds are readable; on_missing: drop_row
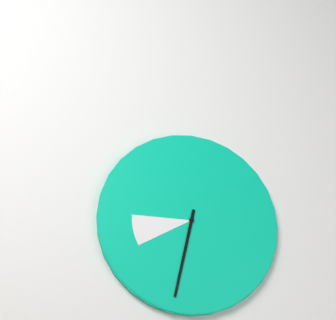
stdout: **8:32**
